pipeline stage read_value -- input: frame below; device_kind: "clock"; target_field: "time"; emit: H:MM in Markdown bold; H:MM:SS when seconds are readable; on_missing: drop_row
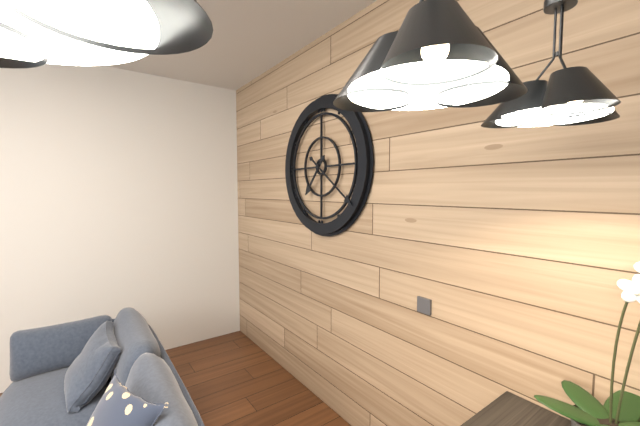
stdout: **7:21**
